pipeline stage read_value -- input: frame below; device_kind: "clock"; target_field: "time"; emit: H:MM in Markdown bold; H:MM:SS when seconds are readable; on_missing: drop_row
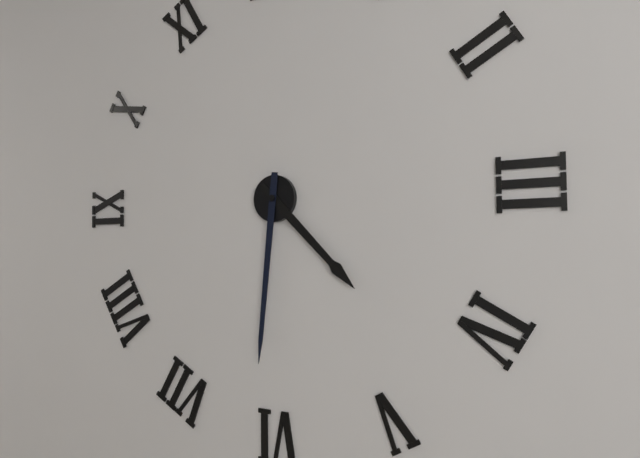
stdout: **4:31**
